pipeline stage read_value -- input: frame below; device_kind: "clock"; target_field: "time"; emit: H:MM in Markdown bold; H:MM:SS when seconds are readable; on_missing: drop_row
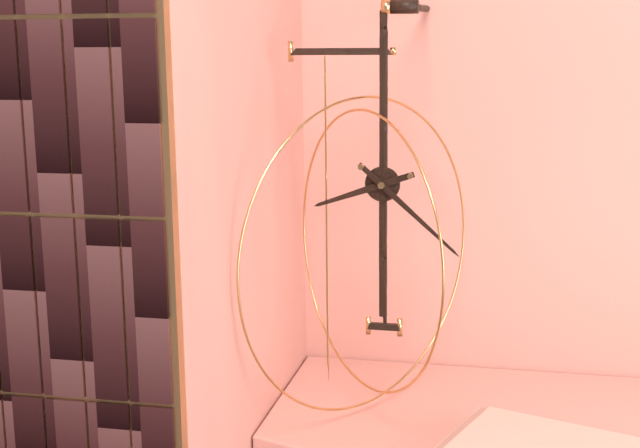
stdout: **8:22**
